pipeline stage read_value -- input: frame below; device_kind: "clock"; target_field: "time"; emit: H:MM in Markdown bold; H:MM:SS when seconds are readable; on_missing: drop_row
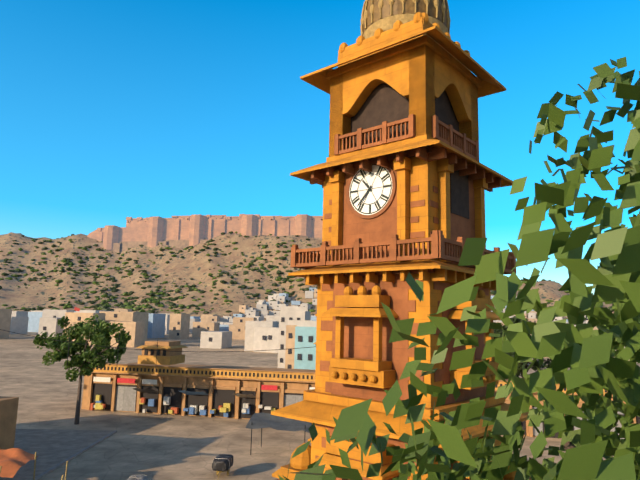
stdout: **10:37**
